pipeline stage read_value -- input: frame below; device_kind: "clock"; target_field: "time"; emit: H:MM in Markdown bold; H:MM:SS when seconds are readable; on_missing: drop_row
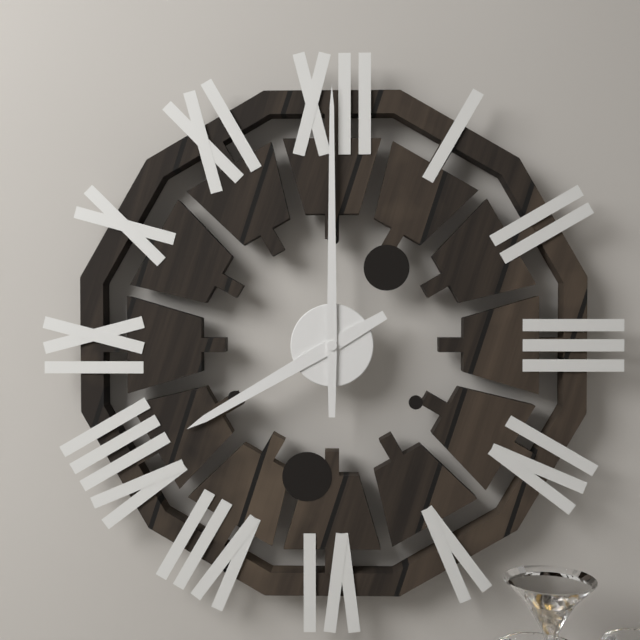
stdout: **8:00**
